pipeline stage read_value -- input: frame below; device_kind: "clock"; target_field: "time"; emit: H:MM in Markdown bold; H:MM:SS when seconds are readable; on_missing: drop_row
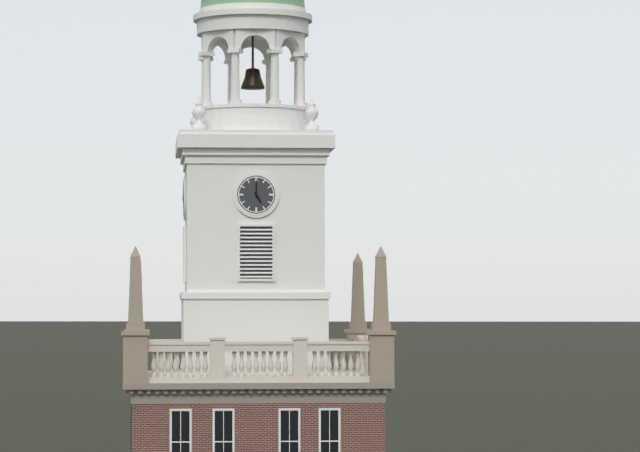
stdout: **5:00**
